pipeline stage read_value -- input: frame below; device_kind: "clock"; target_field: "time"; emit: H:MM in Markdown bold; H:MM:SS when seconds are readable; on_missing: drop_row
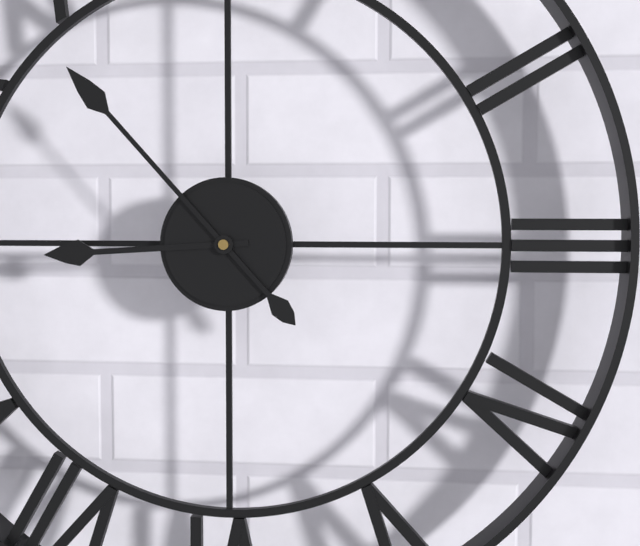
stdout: **8:53**
